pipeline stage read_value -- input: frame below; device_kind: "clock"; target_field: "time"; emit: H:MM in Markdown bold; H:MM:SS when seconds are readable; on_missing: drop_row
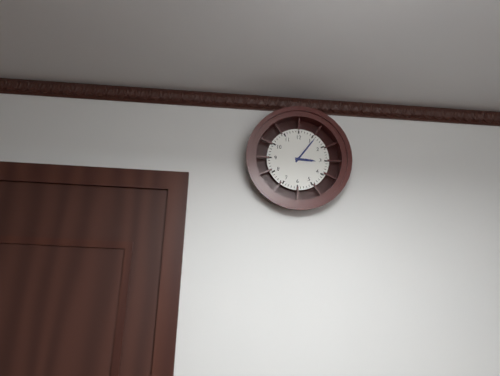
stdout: **3:06**
